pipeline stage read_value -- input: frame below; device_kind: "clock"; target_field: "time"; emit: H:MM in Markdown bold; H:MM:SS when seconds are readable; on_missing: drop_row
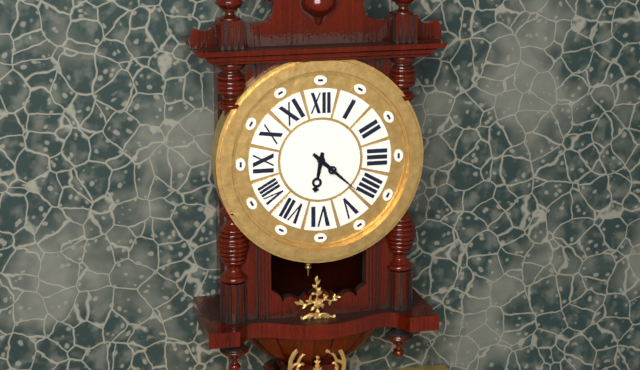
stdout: **6:22**
